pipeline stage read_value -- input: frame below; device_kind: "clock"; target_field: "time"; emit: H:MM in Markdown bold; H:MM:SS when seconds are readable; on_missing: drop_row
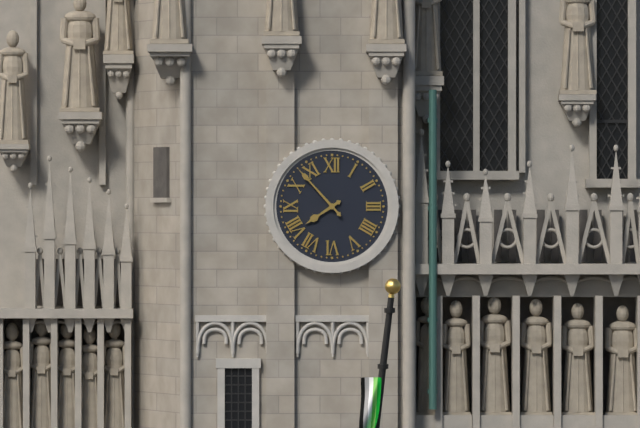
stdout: **7:53**
